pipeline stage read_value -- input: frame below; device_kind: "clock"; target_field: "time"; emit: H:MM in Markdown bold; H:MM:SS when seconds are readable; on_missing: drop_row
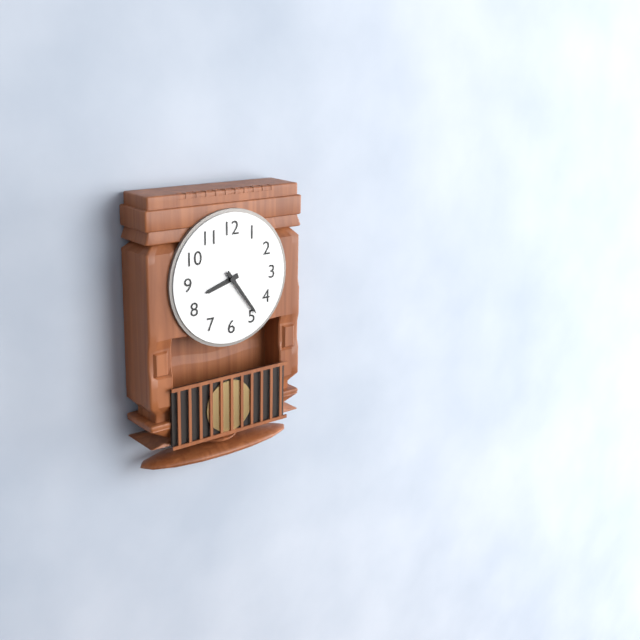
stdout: **8:24**
